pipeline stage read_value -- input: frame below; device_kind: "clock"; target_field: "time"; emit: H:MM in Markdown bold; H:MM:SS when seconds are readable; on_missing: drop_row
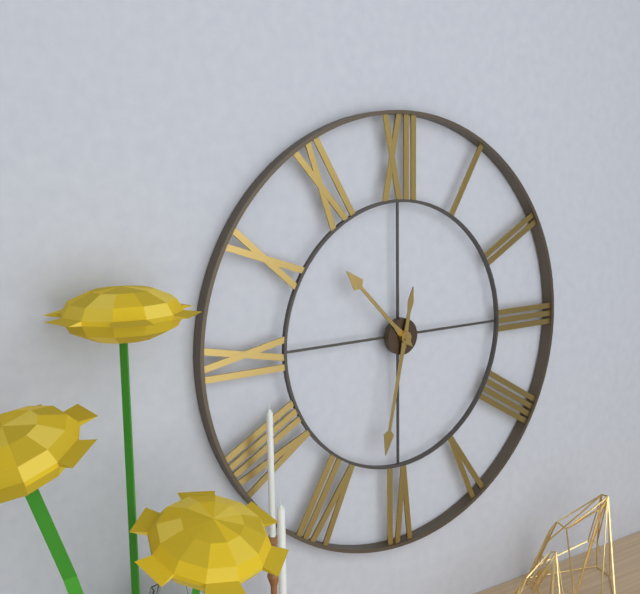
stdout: **10:32**
